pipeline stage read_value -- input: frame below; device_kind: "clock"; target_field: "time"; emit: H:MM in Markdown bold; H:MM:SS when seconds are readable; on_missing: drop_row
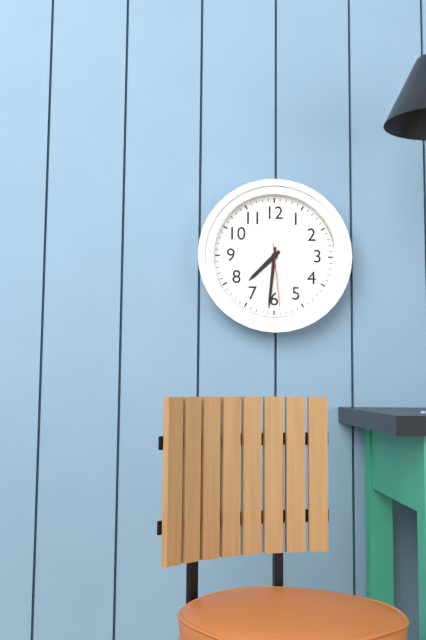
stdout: **7:31:29**
